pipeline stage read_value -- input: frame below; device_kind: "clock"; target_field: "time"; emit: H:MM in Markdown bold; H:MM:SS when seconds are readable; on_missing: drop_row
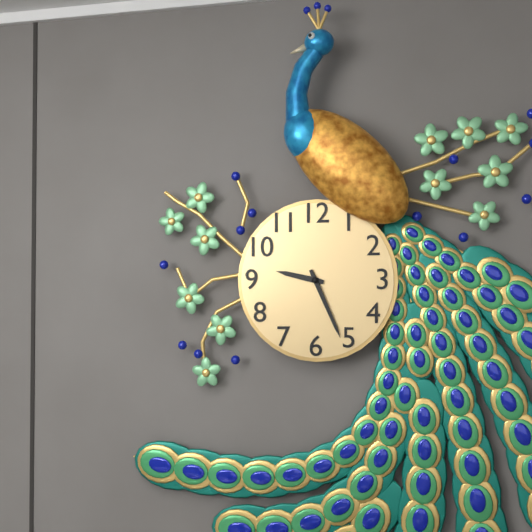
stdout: **9:26**
